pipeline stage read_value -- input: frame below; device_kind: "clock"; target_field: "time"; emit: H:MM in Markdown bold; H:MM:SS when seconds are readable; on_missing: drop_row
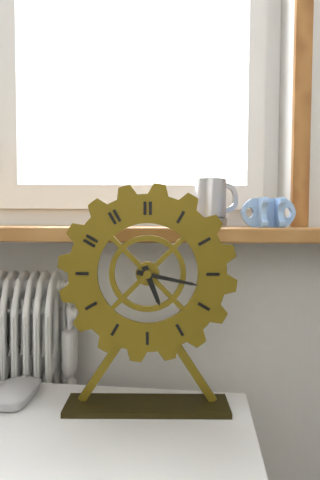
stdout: **5:17**
